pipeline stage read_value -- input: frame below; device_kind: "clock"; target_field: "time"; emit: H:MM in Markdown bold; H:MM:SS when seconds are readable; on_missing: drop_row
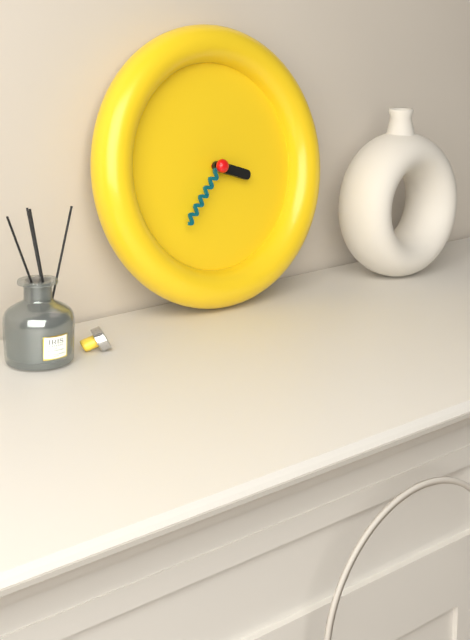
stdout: **3:37**
